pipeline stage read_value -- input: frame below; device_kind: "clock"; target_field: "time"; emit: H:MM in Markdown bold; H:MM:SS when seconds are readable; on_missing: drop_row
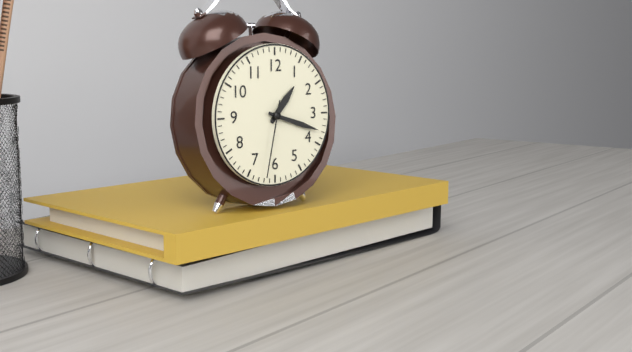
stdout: **1:18:32**
